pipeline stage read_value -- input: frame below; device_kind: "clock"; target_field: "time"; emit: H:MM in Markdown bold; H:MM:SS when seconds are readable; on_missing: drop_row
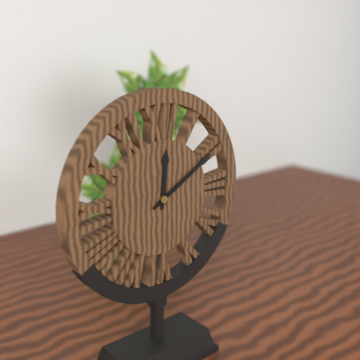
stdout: **12:10**
